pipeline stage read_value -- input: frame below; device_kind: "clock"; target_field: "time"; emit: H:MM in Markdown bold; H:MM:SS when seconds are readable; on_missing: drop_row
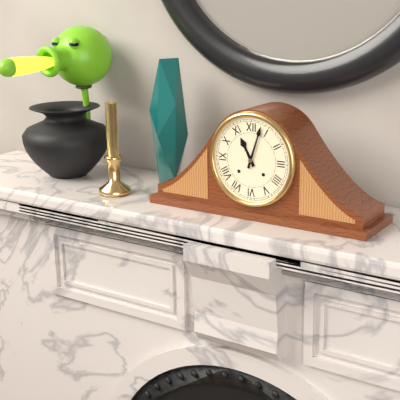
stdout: **11:03**
